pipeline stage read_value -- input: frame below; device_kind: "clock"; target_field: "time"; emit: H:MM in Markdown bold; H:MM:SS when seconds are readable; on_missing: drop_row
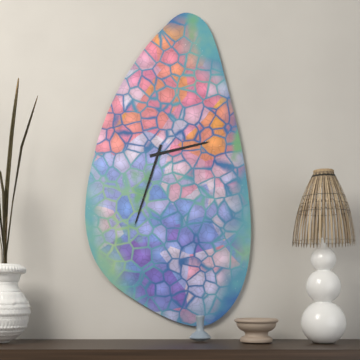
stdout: **2:33**
